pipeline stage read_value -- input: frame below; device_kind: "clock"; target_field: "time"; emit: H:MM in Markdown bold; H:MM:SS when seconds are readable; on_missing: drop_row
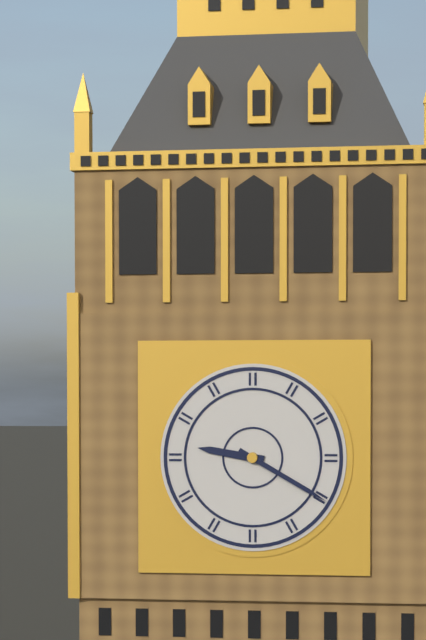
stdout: **9:20**
